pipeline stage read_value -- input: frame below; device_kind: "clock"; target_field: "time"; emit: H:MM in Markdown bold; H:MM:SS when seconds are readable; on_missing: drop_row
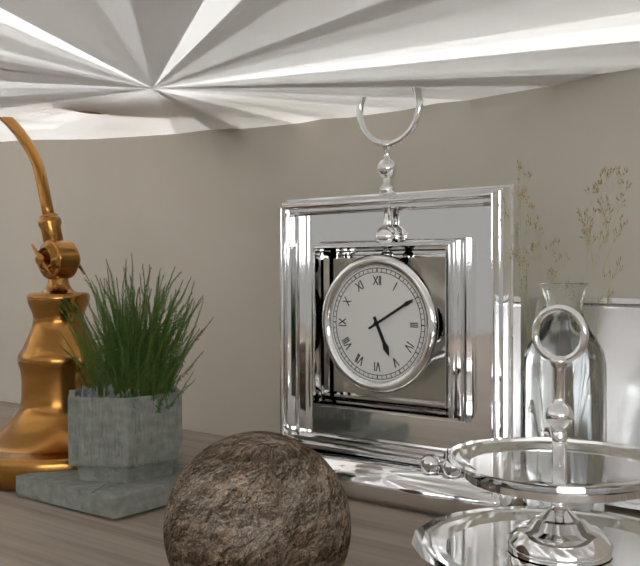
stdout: **5:10**
